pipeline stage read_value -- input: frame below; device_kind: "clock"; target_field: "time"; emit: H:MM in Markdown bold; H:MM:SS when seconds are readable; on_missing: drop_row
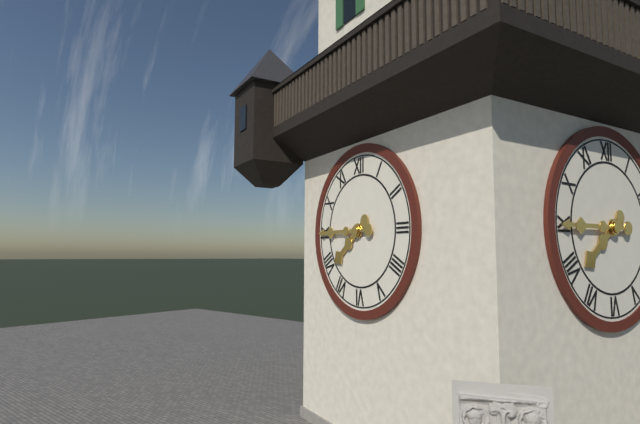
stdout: **7:45**
